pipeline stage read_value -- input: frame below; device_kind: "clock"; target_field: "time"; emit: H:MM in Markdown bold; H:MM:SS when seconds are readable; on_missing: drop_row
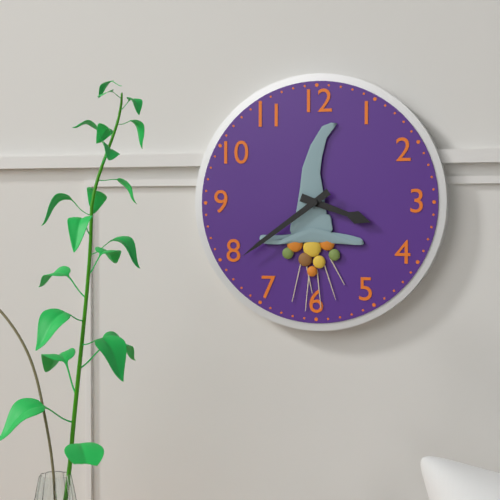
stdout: **3:39**
